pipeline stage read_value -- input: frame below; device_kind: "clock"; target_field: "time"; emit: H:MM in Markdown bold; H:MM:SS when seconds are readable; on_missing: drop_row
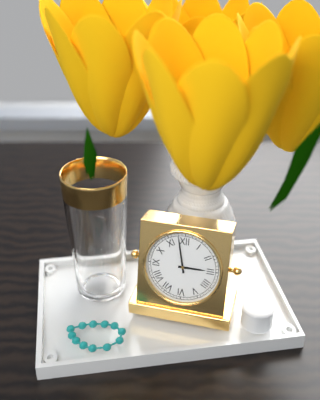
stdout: **2:58**
